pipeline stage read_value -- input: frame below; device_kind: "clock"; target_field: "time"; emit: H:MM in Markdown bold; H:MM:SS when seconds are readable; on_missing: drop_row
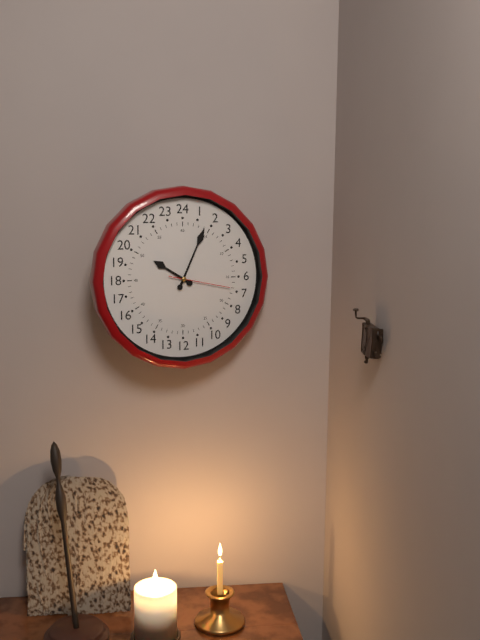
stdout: **10:04:17**
